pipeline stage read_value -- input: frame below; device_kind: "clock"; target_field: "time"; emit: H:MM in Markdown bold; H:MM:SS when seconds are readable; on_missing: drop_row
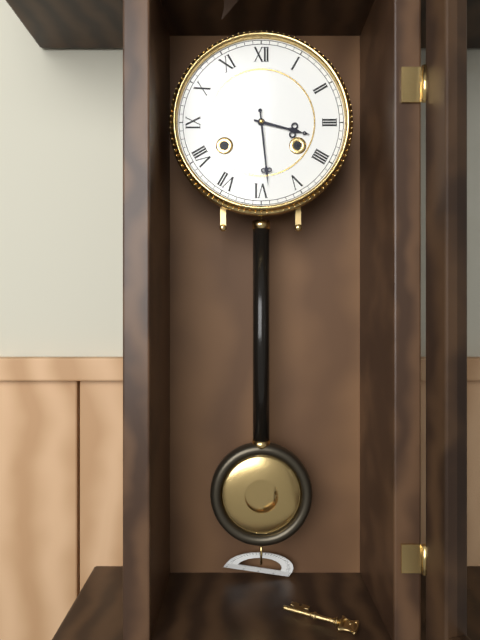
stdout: **3:29**
